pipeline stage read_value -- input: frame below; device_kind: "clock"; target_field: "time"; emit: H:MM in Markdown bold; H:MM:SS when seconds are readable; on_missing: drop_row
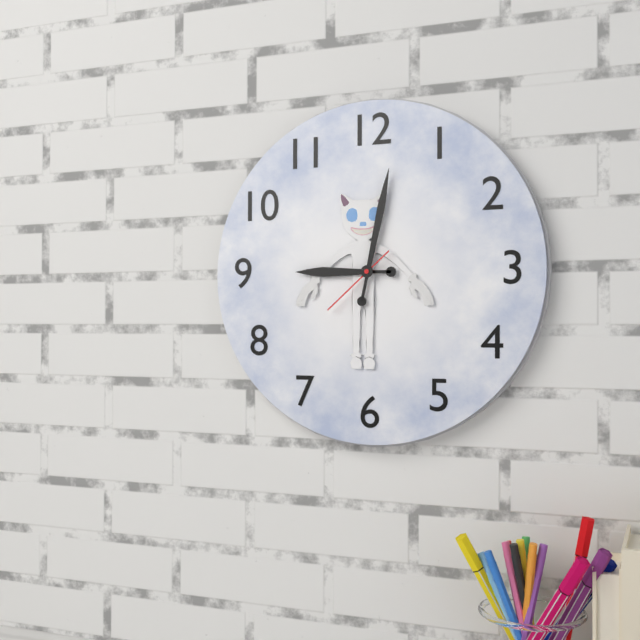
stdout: **9:02:38**
